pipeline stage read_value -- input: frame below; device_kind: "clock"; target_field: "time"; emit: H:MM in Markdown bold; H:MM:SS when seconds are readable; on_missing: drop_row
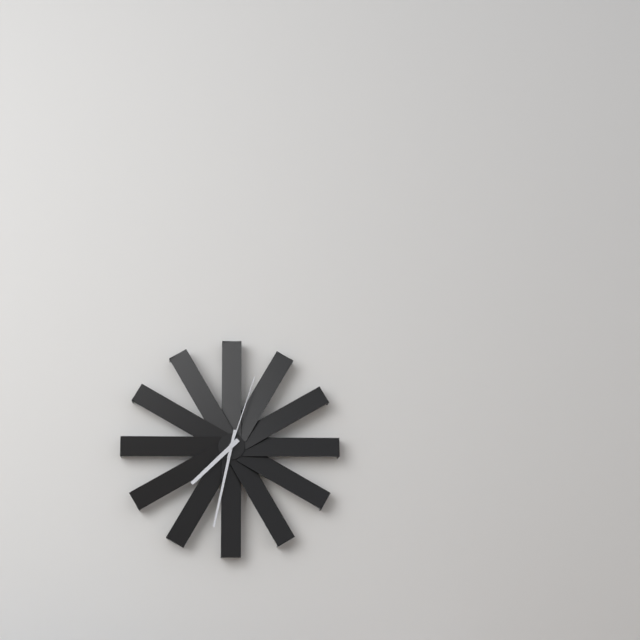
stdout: **7:32:03**
